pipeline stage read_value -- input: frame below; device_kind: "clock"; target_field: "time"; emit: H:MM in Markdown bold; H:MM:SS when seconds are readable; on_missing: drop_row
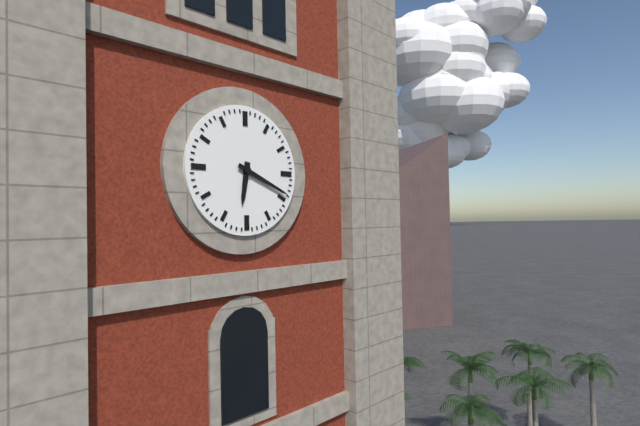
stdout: **6:19**
